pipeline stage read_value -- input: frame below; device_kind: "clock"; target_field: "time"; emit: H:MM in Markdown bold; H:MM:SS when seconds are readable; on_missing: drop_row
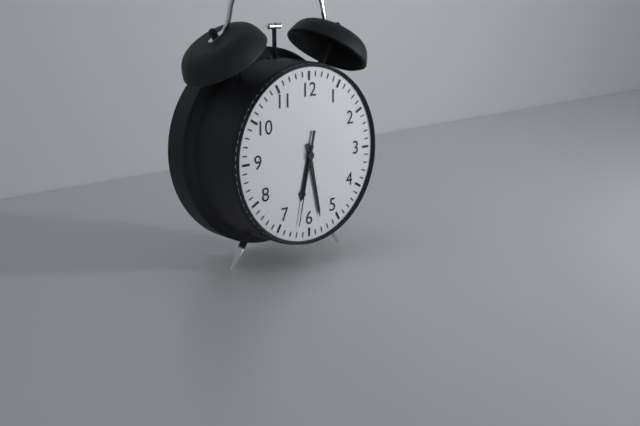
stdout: **6:28:32**
